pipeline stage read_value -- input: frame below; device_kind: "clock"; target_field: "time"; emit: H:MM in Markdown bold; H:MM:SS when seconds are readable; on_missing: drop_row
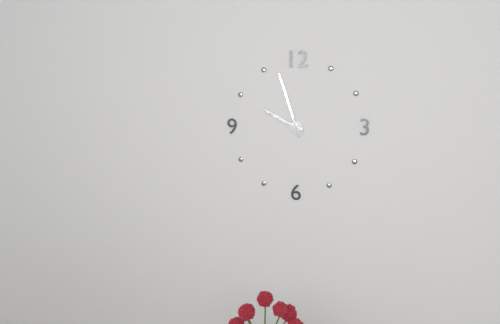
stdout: **9:57**
